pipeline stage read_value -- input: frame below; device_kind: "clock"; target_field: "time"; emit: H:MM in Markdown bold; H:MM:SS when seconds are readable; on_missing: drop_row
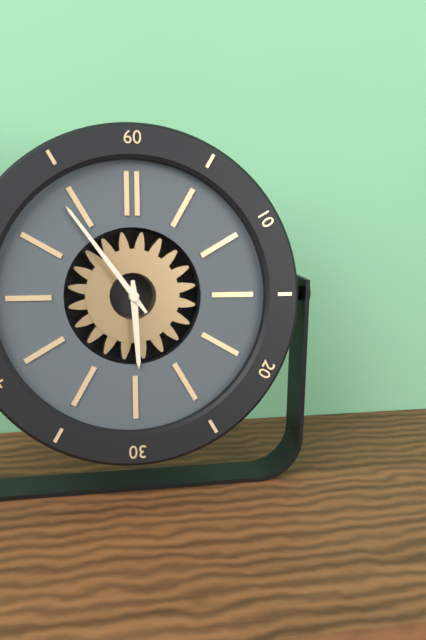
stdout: **5:54**
